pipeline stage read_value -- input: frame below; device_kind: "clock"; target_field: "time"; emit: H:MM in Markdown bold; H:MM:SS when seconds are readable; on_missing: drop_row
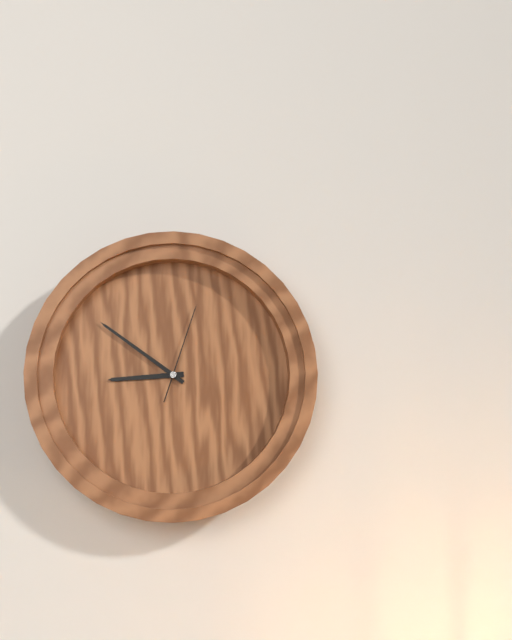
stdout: **8:51:03**
